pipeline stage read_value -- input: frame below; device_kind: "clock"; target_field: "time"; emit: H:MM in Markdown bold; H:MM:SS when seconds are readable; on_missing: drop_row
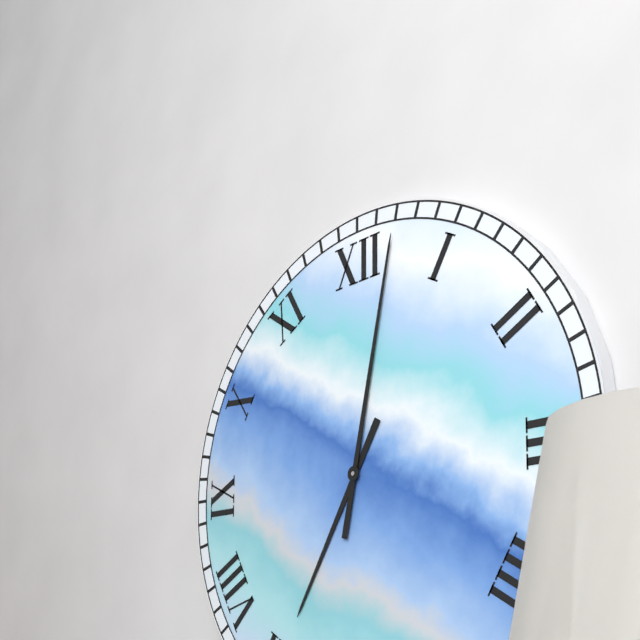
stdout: **7:02**
